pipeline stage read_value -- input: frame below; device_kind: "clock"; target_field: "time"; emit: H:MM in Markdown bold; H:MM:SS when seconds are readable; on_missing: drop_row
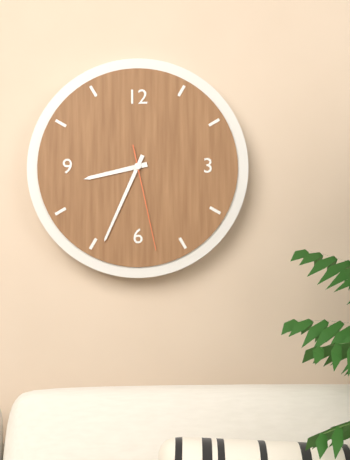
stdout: **8:34:28**
